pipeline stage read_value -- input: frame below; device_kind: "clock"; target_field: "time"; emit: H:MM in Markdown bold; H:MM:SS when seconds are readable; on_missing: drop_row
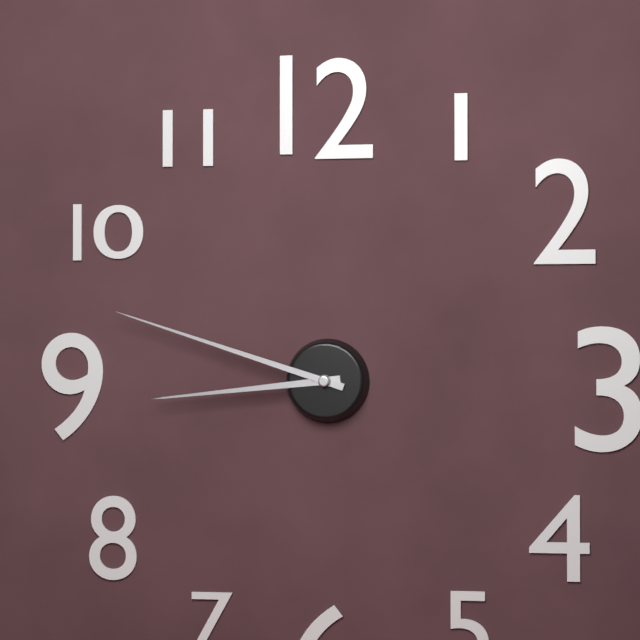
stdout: **8:48**
